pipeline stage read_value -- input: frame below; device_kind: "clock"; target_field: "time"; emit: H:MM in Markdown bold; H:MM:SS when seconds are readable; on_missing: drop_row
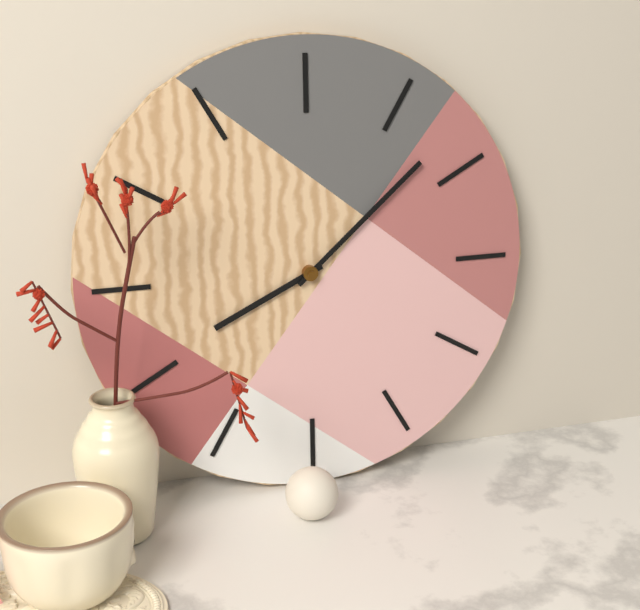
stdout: **8:08**
